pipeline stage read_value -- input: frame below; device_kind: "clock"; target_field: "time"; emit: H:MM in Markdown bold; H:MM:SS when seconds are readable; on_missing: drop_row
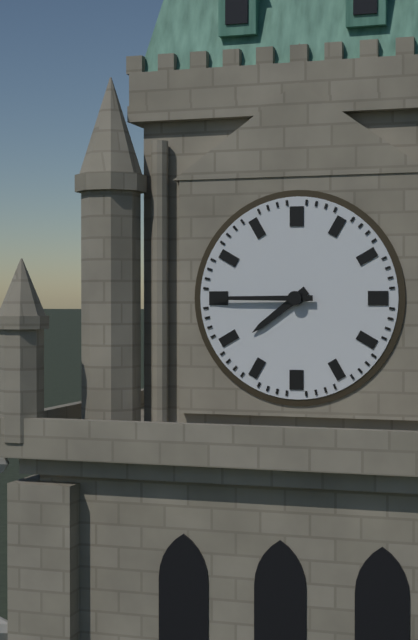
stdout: **7:45**
